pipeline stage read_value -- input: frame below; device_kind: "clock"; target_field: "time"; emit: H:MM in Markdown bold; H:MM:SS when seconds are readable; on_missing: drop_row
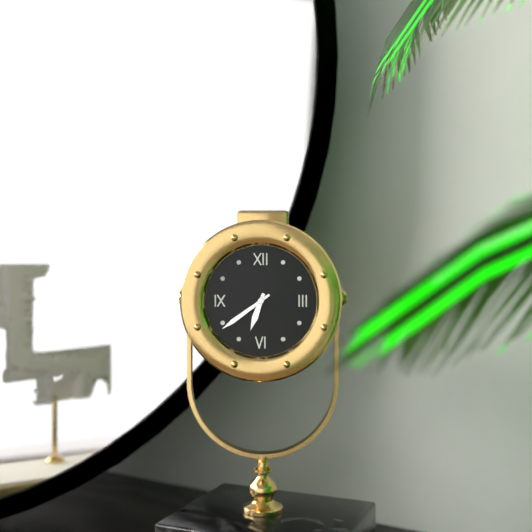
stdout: **6:39**
